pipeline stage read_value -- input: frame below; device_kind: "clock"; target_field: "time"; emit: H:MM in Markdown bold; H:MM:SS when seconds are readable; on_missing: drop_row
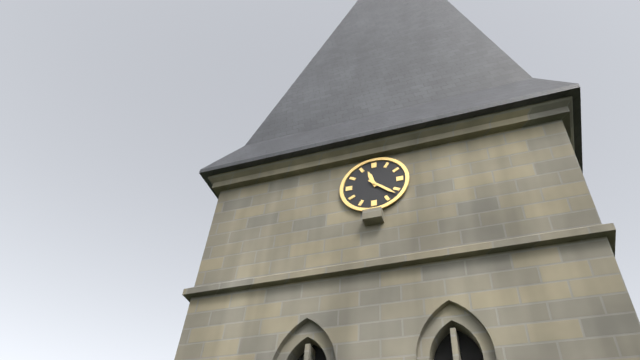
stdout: **11:22**
